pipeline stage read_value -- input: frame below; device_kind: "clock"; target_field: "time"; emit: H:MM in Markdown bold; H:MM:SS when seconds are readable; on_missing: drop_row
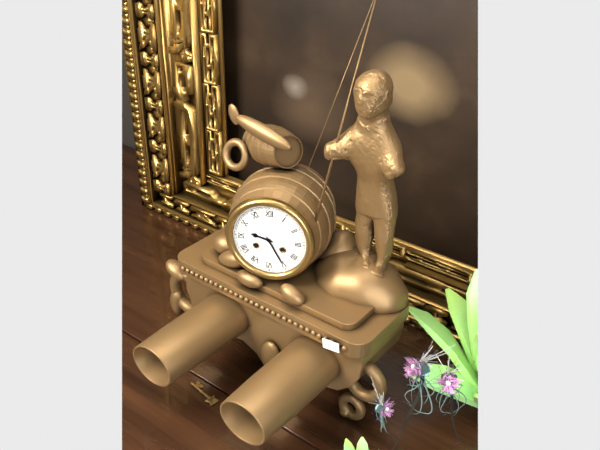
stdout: **9:25**
